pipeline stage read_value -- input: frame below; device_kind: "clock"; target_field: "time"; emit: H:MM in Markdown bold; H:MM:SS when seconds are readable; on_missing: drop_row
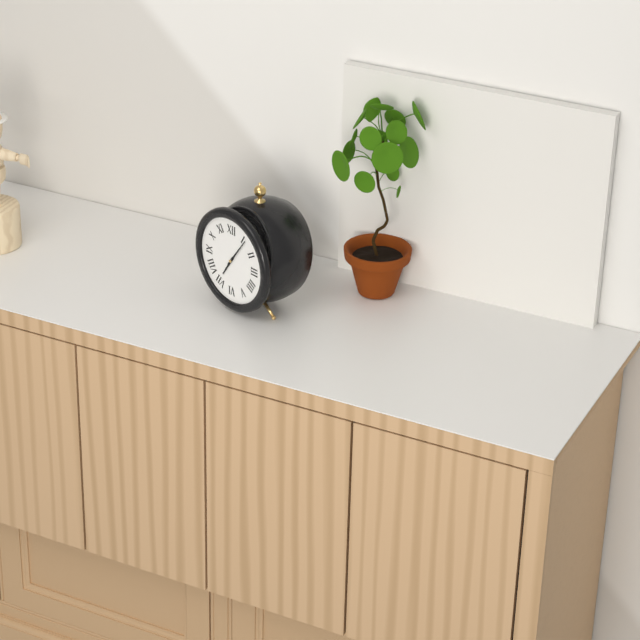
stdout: **7:06**
